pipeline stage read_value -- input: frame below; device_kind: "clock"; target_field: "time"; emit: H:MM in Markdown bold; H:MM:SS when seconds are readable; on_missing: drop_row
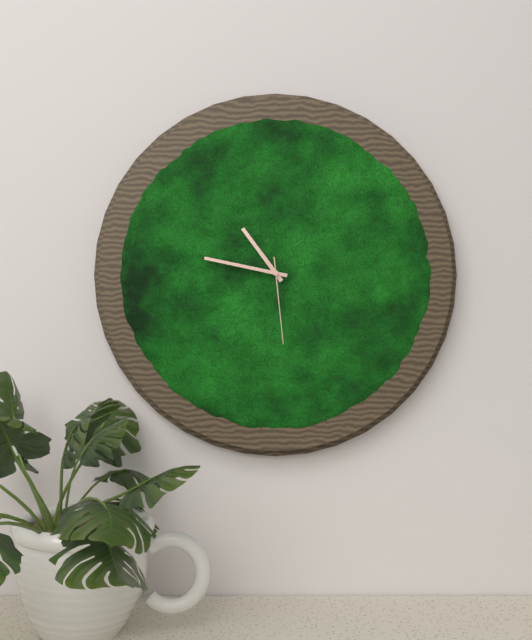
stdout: **10:47:29**
